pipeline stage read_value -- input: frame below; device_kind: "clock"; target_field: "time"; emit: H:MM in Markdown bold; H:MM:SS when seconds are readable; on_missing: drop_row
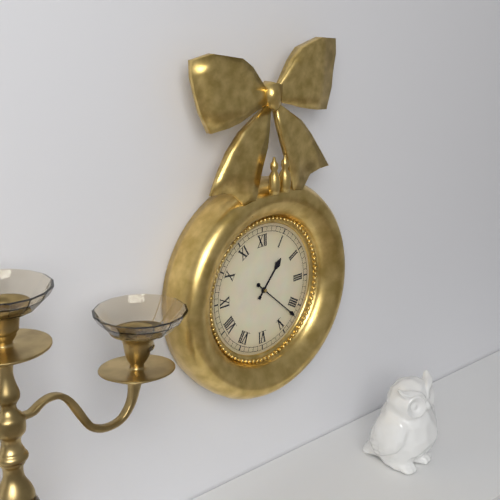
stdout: **1:22**
